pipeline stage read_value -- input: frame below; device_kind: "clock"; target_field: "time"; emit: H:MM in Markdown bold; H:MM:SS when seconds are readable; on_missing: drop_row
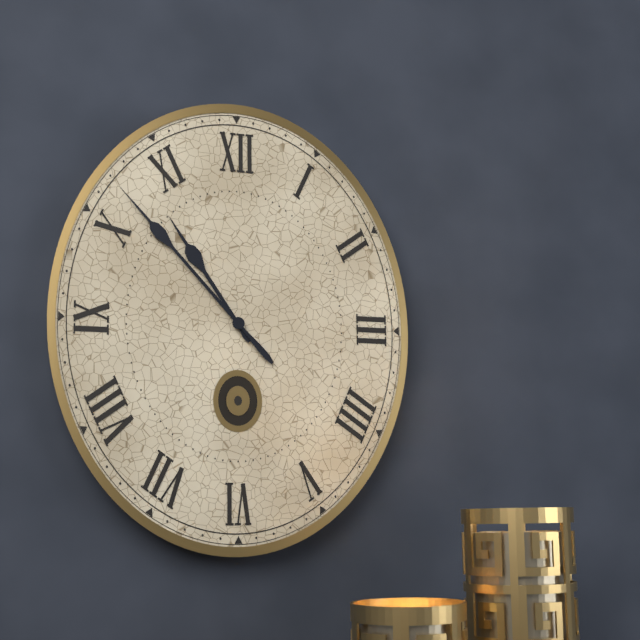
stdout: **10:53**
